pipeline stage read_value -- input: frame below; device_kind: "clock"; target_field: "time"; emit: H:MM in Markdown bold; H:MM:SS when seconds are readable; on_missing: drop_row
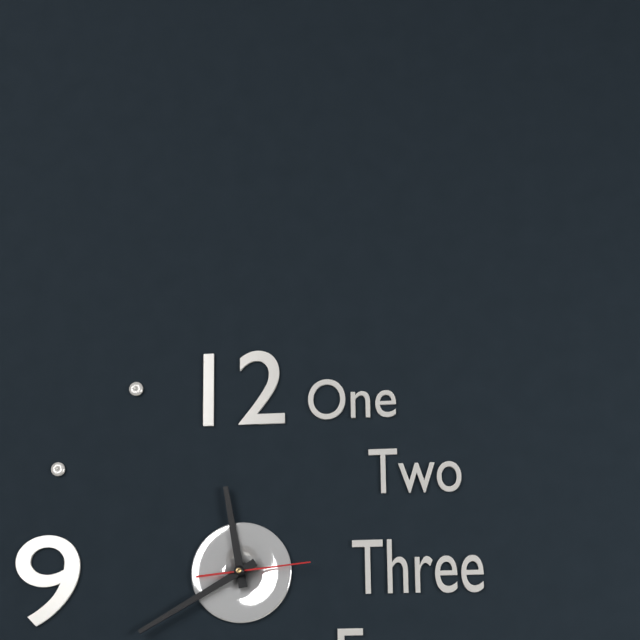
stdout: **11:40:14**
